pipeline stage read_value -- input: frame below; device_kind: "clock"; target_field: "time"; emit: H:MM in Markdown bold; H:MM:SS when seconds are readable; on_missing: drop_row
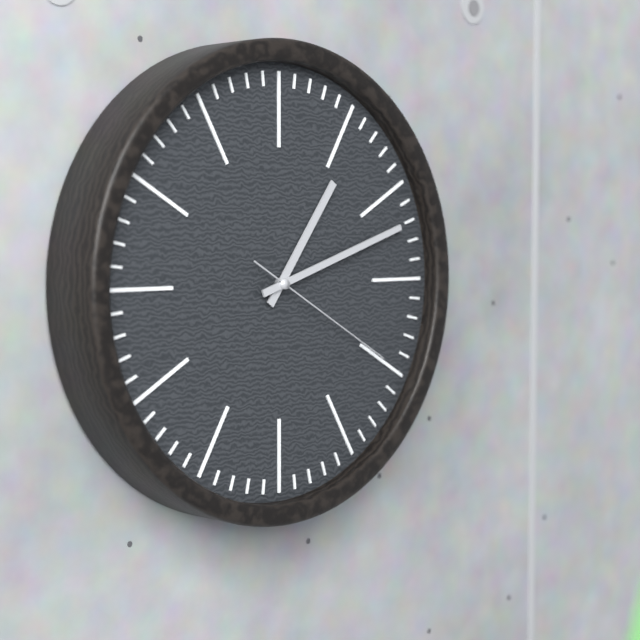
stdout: **1:12:20**
